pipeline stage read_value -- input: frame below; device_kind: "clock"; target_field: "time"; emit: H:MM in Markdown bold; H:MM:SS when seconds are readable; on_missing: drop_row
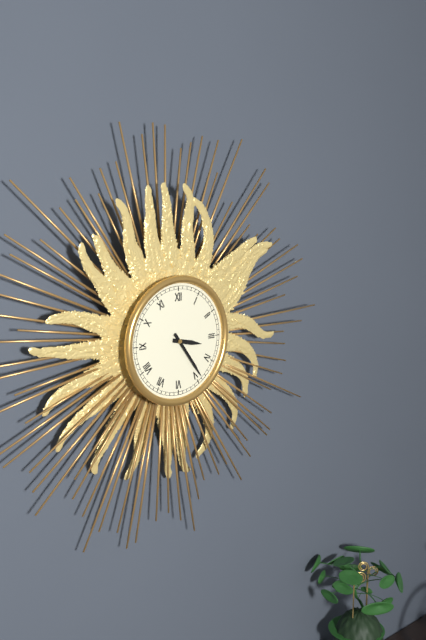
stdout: **3:24**
